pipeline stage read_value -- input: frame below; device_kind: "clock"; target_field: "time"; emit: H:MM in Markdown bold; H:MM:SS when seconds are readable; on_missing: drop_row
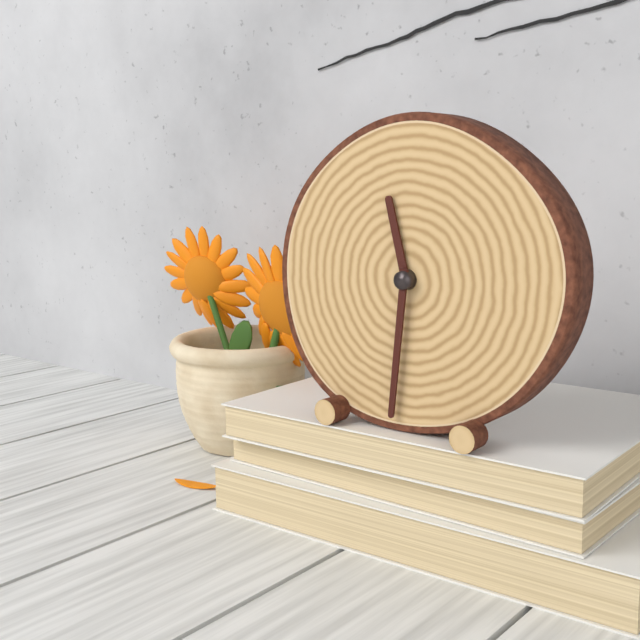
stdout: **11:31**
